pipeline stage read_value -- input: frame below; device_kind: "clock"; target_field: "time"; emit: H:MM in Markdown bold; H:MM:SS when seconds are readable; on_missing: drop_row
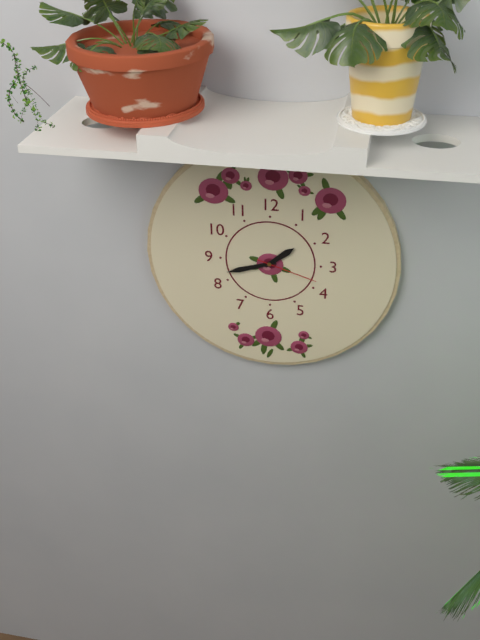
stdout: **1:42:18**
